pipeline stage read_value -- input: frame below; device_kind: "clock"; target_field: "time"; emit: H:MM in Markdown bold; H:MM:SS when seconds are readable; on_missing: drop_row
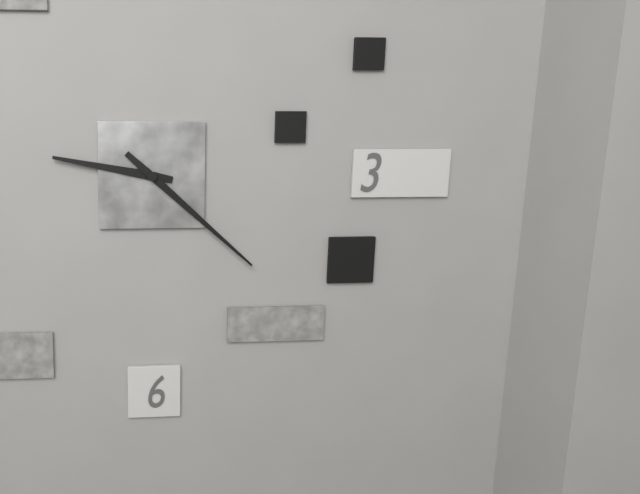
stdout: **9:22**
